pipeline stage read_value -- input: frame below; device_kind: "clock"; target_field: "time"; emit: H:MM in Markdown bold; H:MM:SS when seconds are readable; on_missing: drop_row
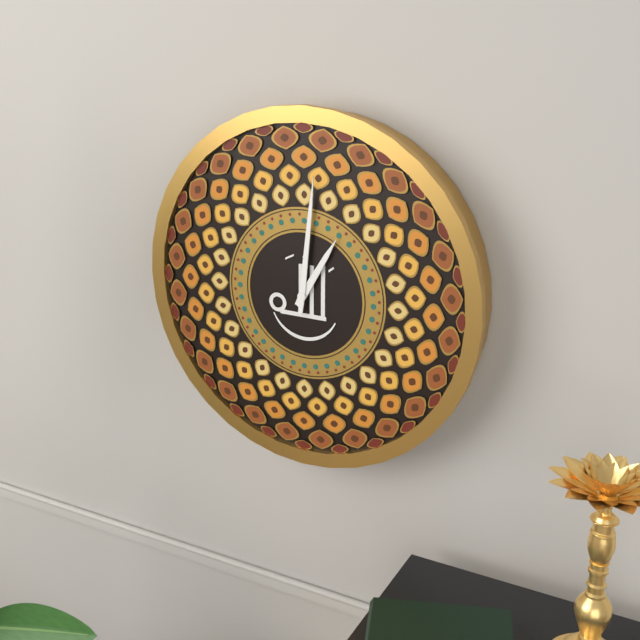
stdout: **1:01**
